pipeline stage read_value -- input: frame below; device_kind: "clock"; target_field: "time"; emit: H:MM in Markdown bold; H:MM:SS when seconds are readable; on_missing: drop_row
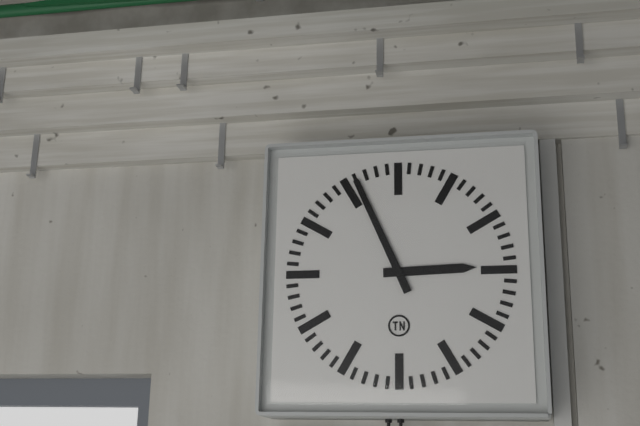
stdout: **2:56**
